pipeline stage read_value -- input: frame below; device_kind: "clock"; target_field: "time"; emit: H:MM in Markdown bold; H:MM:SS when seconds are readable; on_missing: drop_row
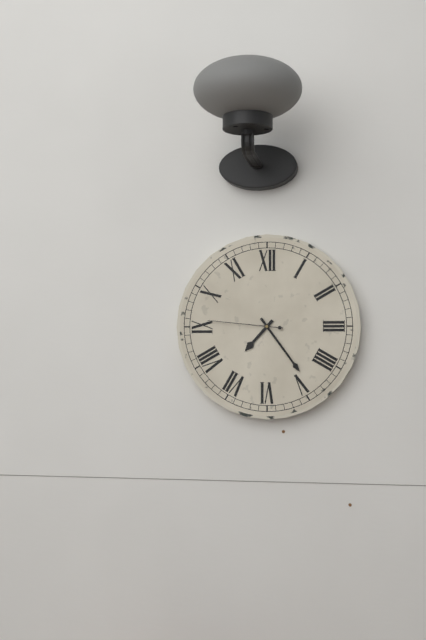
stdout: **7:24:46**
